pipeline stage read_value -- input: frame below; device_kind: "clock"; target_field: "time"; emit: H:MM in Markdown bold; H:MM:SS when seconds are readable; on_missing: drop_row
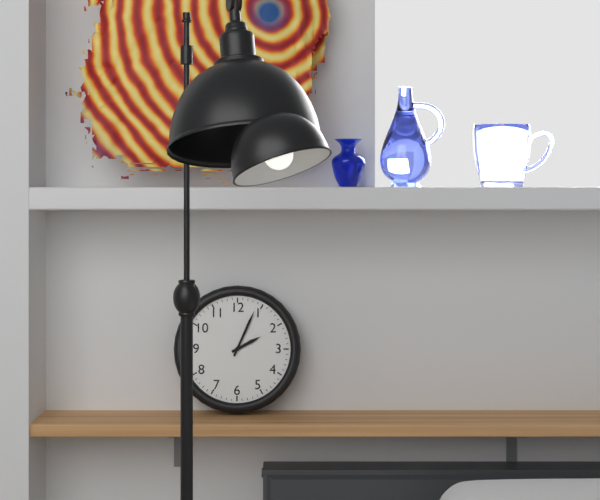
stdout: **2:04**
